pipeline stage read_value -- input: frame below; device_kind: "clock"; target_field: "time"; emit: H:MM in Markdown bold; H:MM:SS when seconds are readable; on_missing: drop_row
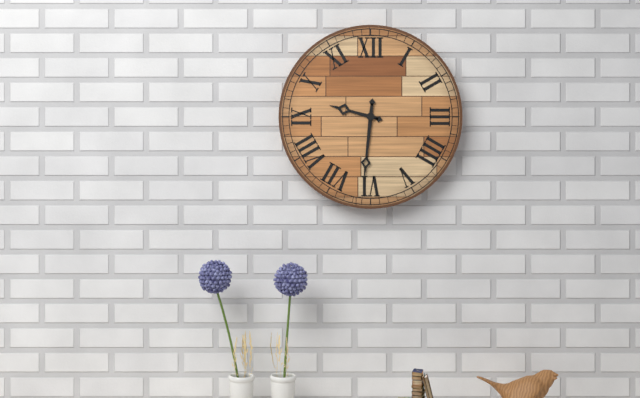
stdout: **9:31**
